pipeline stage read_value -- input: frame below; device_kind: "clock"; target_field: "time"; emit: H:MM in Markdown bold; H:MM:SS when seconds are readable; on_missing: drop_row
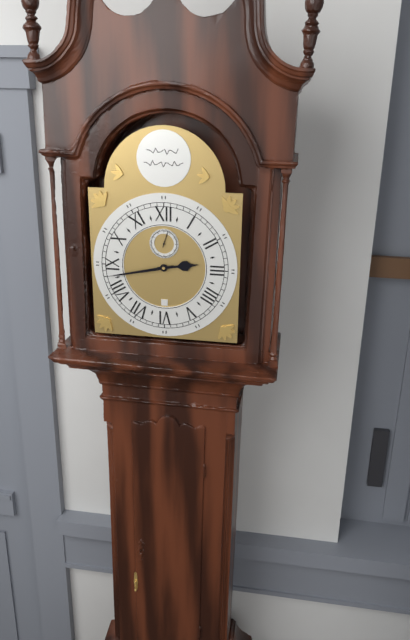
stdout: **2:43**
